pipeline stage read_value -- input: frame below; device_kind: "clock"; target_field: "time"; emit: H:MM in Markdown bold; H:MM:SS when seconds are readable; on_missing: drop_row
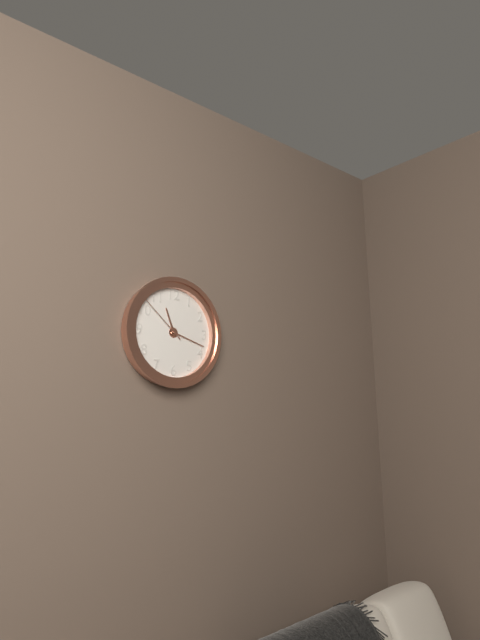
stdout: **11:18:52**
